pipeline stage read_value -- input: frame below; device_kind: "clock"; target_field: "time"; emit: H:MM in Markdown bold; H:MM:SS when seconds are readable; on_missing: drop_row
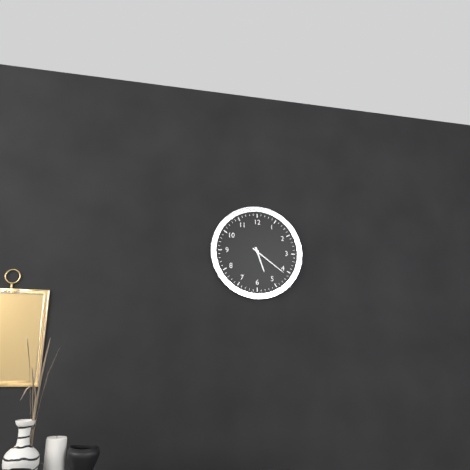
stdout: **5:21**
